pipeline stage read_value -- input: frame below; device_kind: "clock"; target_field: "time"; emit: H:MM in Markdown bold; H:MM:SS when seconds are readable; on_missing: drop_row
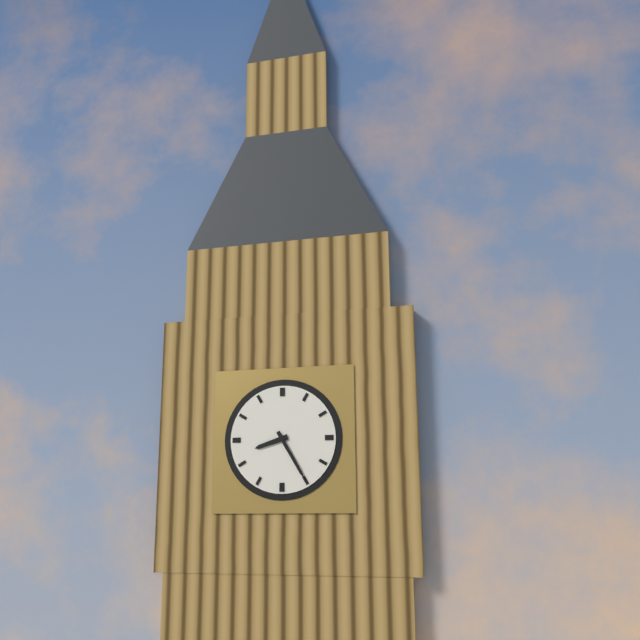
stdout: **8:25**
